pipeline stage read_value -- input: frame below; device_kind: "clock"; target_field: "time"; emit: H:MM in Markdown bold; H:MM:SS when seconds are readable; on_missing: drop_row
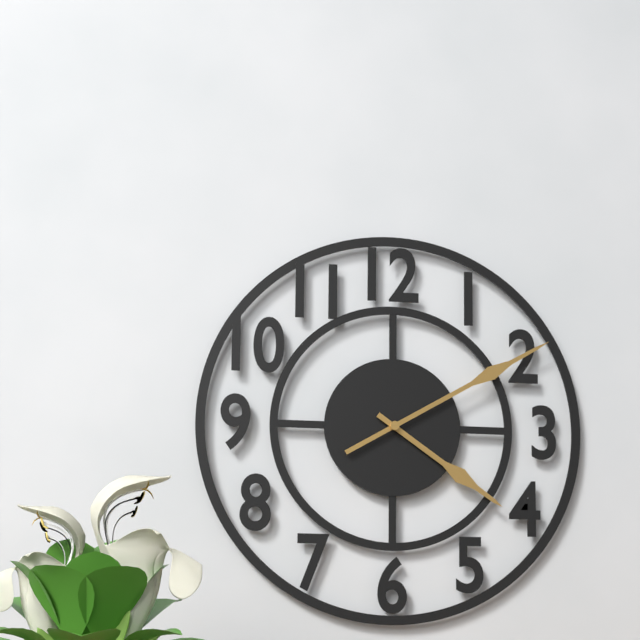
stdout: **4:10**
